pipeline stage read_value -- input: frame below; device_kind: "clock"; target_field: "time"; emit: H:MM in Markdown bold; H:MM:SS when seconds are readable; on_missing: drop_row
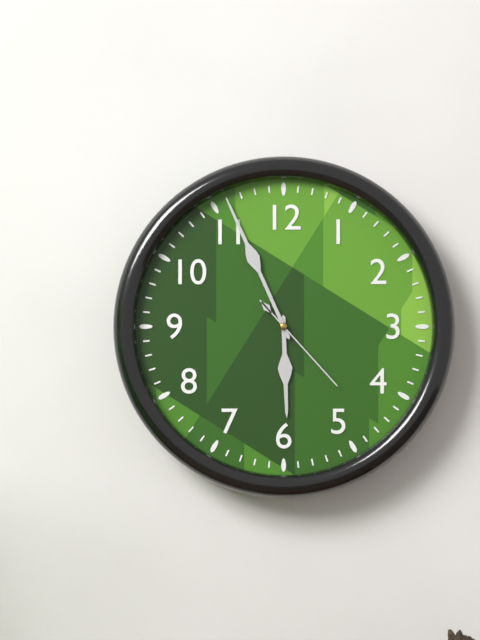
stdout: **5:56:23**
